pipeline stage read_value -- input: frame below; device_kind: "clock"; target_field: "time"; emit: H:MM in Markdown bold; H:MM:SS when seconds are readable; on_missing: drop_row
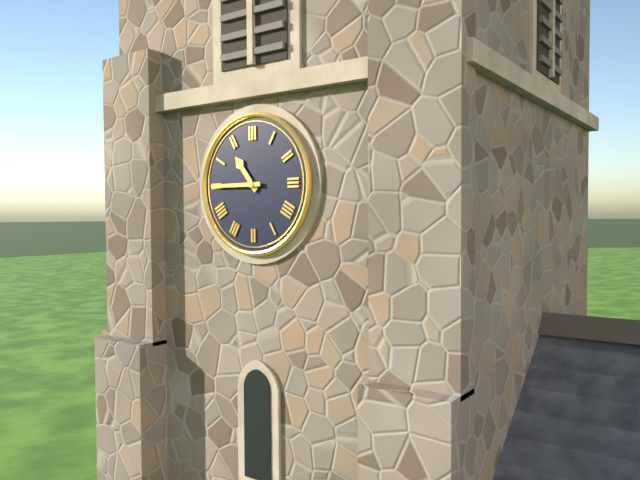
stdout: **10:45**
